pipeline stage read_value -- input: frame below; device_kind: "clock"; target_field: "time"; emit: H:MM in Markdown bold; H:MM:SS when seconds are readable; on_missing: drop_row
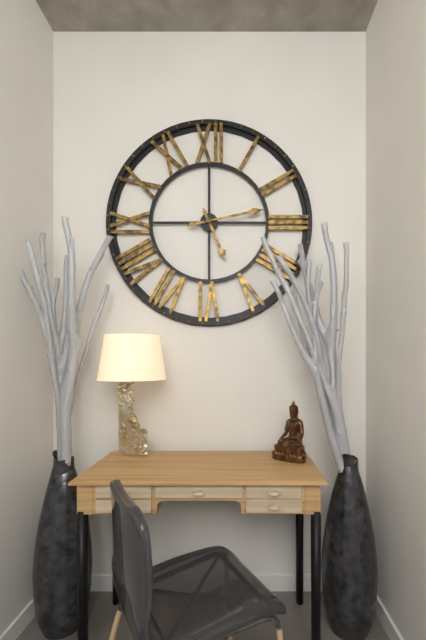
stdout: **5:13**
